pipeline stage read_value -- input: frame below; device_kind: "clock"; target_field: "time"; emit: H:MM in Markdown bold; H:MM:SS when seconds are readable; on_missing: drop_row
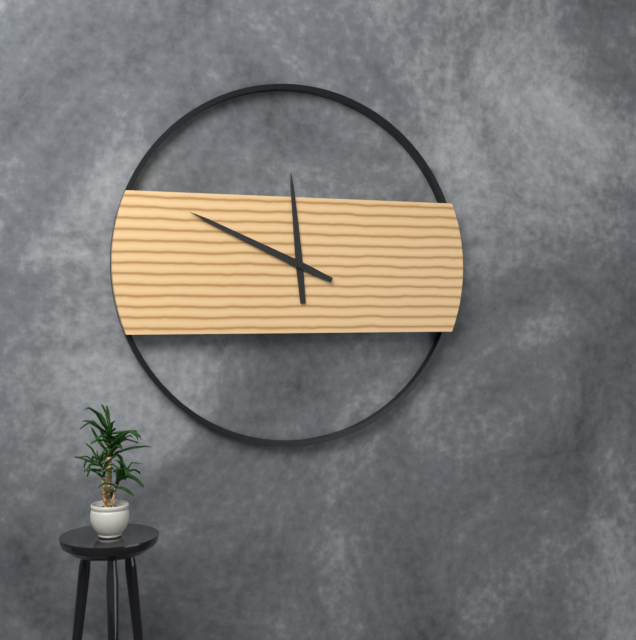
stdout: **11:49**
